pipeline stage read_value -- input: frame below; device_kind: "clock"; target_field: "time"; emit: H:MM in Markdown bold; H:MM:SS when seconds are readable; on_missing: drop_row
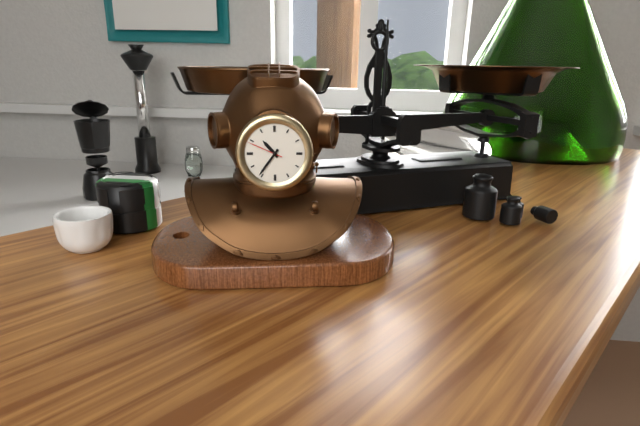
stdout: **10:36**
